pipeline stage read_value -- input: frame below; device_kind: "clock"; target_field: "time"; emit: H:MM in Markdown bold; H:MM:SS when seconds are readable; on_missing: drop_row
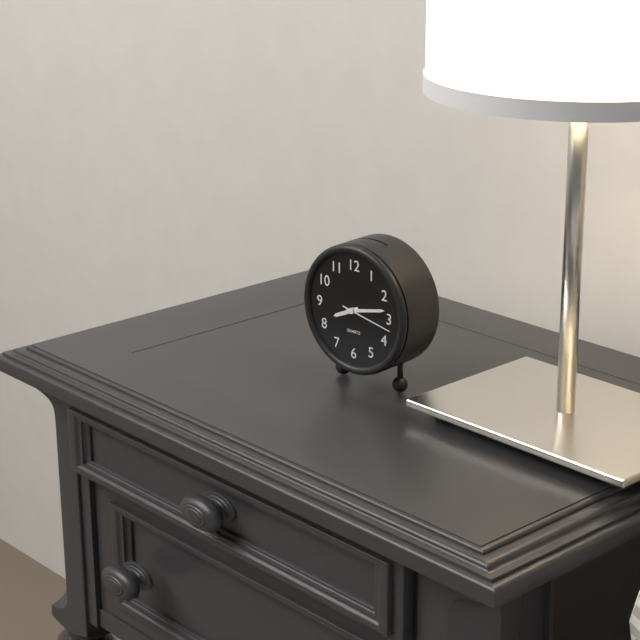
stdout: **8:13:17**
